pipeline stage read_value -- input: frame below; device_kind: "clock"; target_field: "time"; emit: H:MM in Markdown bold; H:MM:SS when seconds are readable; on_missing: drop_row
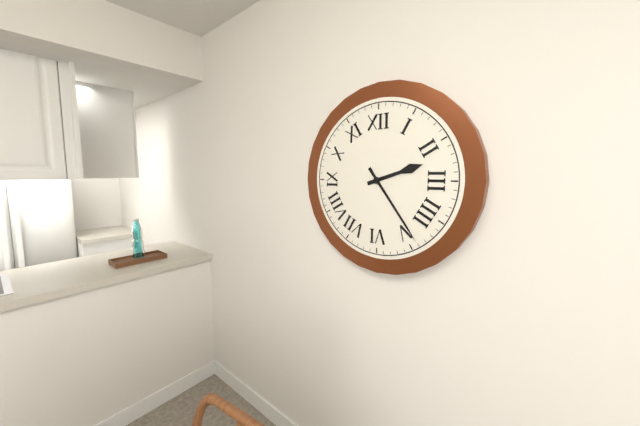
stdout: **2:24**
